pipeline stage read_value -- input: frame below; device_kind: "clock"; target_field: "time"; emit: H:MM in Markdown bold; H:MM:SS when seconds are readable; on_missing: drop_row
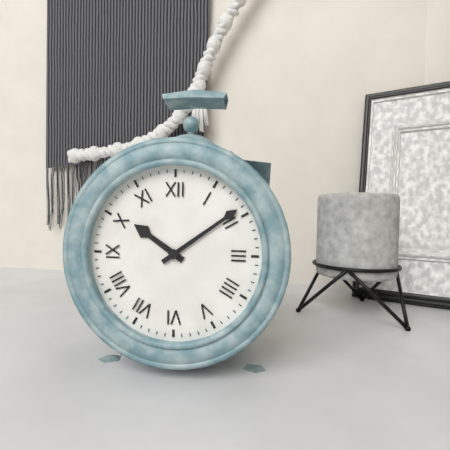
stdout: **10:09**
